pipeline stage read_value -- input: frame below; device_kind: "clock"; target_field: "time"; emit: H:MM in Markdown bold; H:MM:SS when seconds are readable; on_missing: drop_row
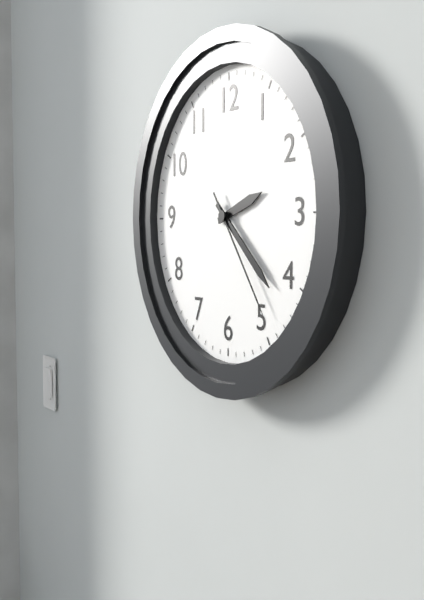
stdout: **2:22:24**
